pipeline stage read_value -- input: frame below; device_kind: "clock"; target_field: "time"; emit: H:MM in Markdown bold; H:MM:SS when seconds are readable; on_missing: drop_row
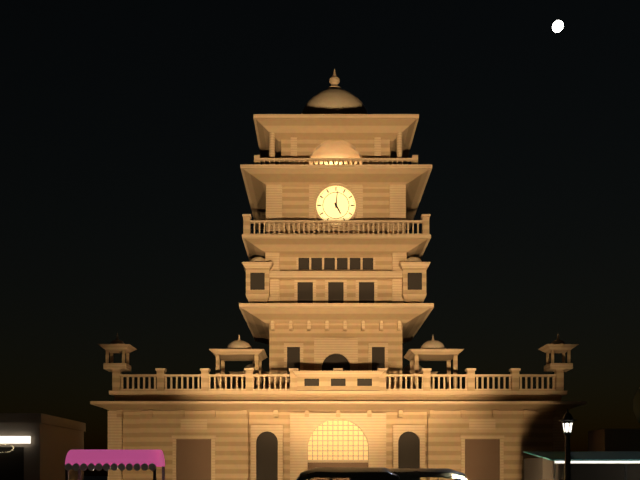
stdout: **5:01**
